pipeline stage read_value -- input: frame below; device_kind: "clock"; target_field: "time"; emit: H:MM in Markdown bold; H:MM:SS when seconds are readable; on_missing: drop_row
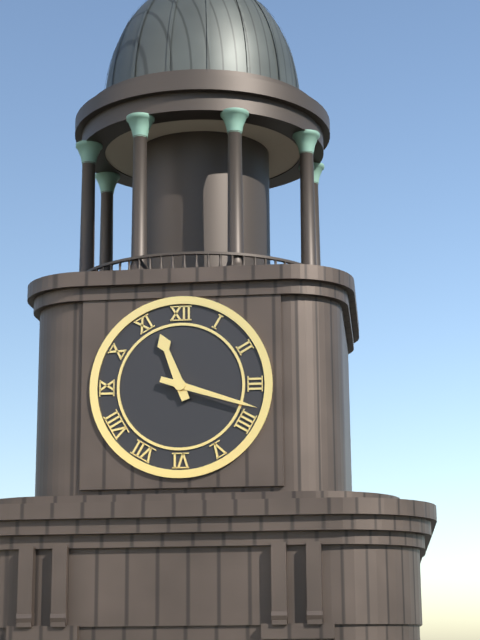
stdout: **11:18**
